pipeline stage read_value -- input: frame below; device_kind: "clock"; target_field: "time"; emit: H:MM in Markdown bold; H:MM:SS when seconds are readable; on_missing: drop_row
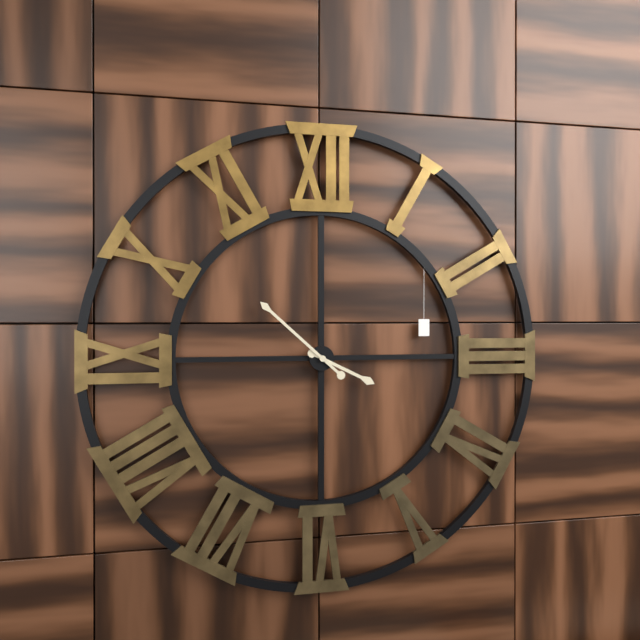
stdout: **3:52**
